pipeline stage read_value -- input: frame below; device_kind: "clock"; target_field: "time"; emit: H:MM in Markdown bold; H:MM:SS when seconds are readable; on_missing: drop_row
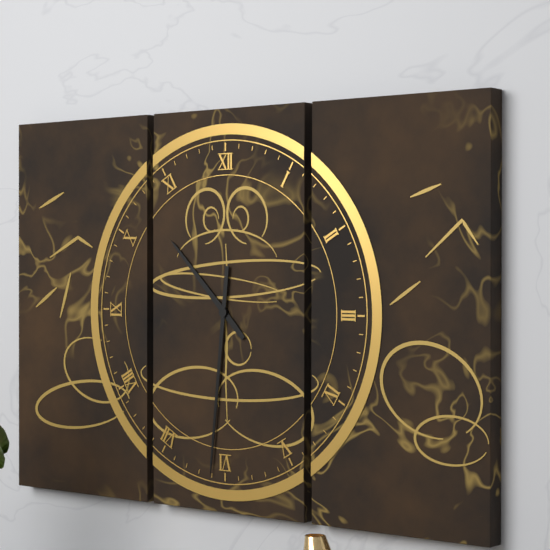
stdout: **10:31**
